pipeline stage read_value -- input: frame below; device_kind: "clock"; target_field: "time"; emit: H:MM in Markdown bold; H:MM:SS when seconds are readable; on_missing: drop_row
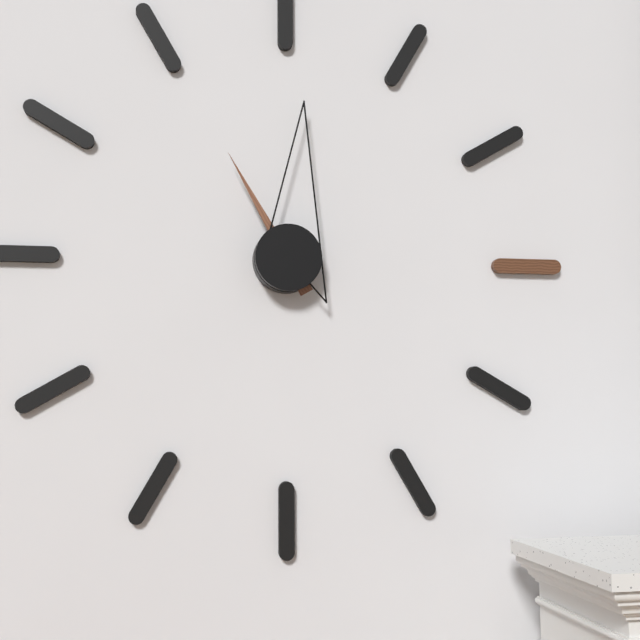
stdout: **11:01**
